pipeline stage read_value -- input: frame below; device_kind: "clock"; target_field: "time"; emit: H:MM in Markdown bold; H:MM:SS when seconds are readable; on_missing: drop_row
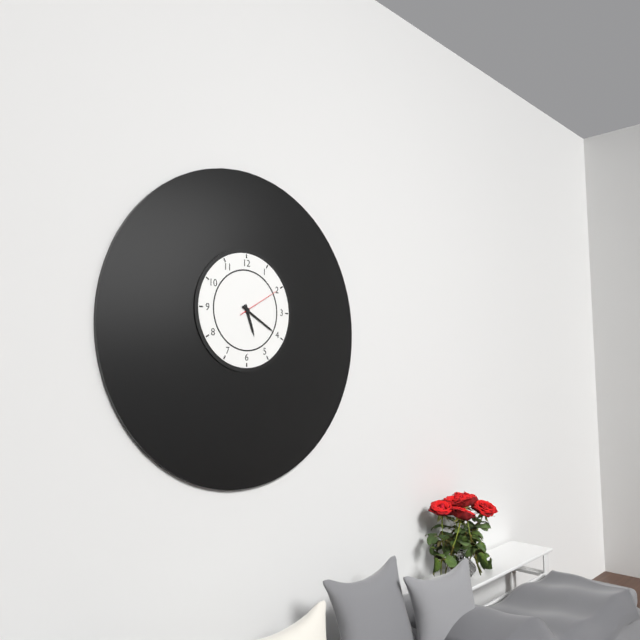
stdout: **5:20**
